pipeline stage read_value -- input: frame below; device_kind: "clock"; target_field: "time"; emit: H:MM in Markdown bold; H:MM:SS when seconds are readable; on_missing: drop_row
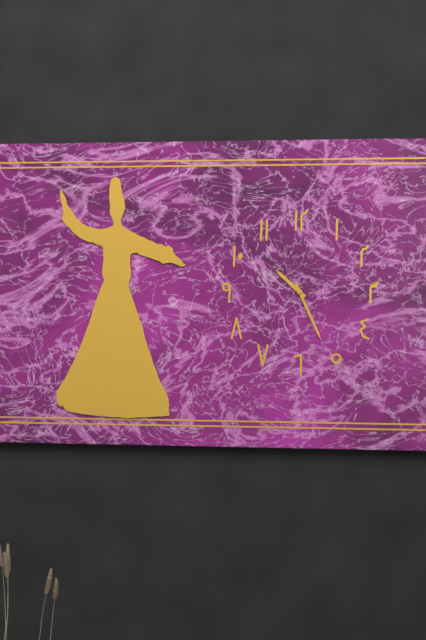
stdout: **10:26**
